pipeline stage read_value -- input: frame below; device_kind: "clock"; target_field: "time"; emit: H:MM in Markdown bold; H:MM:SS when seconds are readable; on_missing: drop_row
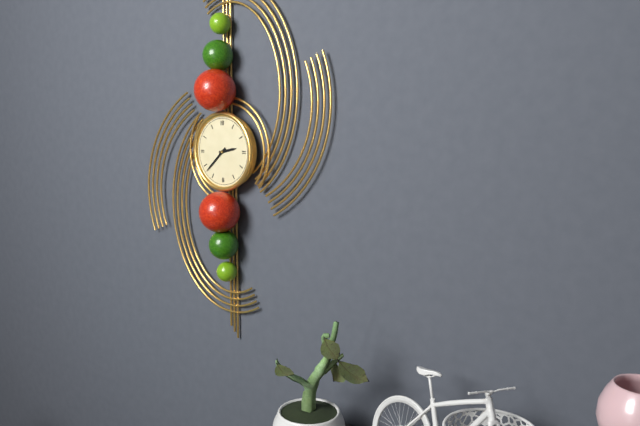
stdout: **2:38**
